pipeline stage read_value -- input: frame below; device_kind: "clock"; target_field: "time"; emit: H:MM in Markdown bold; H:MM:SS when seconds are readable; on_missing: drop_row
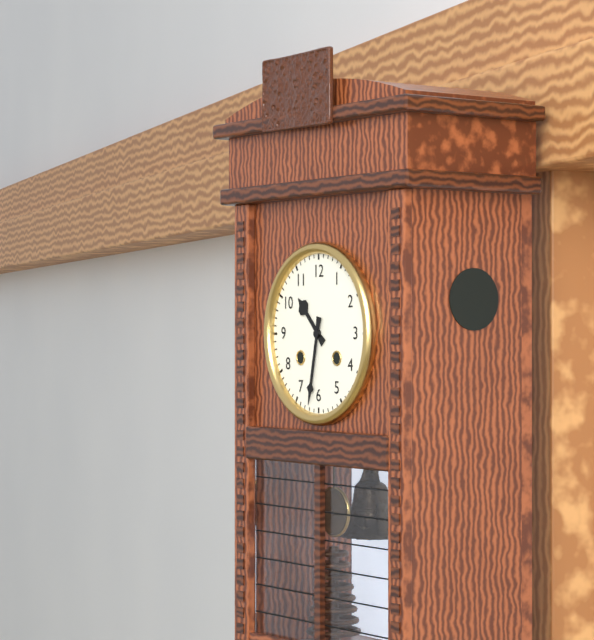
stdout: **10:32**
